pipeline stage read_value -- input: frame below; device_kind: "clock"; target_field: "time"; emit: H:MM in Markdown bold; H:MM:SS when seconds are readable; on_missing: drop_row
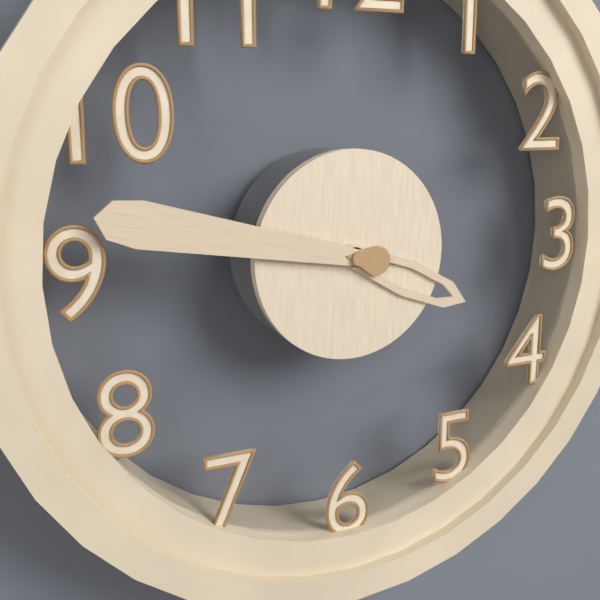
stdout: **3:47**
